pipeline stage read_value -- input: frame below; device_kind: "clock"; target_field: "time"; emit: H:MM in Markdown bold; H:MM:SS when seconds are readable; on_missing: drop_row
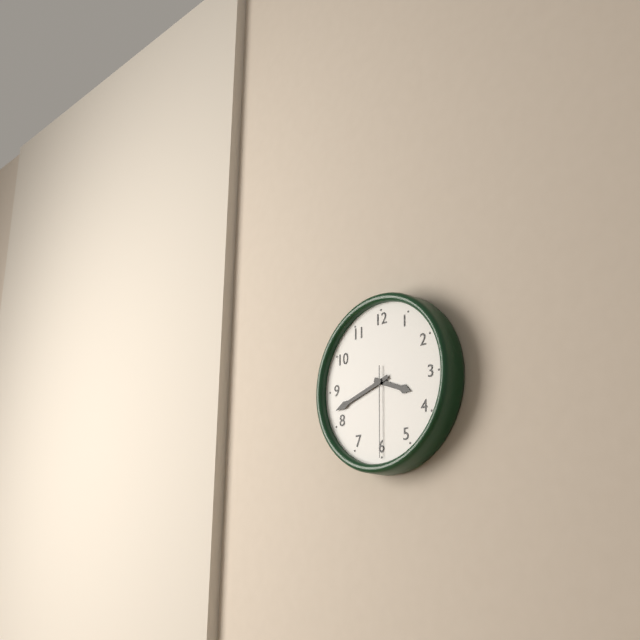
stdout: **3:42:30**
